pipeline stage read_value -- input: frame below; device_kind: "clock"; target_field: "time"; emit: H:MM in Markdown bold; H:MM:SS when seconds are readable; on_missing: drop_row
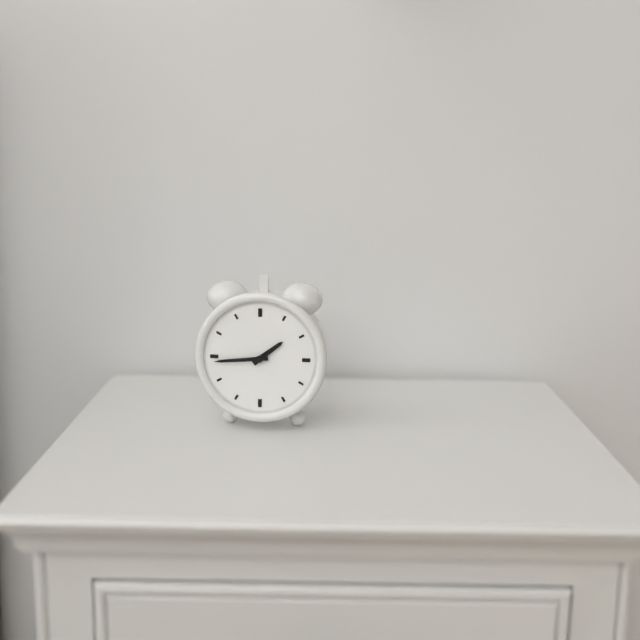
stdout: **1:44**
